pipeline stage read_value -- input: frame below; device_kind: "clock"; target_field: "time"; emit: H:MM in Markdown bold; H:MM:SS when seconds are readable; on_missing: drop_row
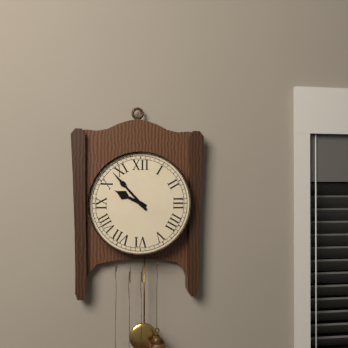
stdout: **9:53**
